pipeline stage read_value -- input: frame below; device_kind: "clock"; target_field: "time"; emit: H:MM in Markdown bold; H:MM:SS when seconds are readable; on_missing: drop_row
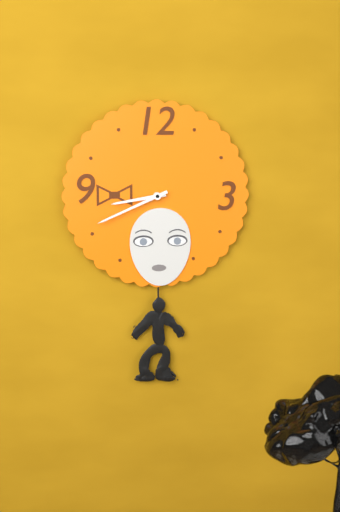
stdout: **8:41**
